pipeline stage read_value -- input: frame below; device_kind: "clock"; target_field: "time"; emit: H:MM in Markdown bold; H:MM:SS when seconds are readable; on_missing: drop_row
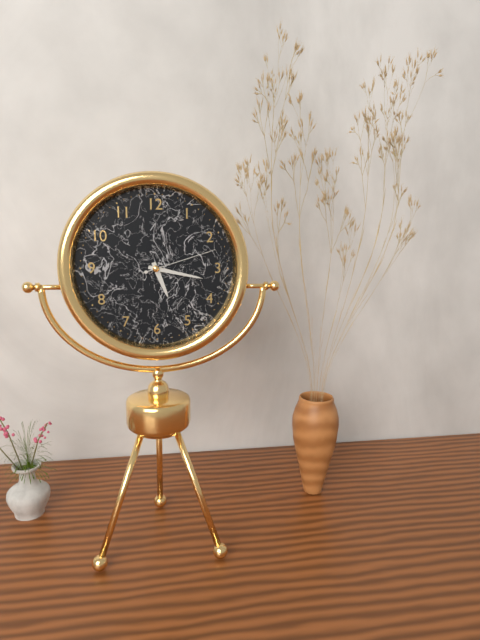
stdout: **5:17:12**
